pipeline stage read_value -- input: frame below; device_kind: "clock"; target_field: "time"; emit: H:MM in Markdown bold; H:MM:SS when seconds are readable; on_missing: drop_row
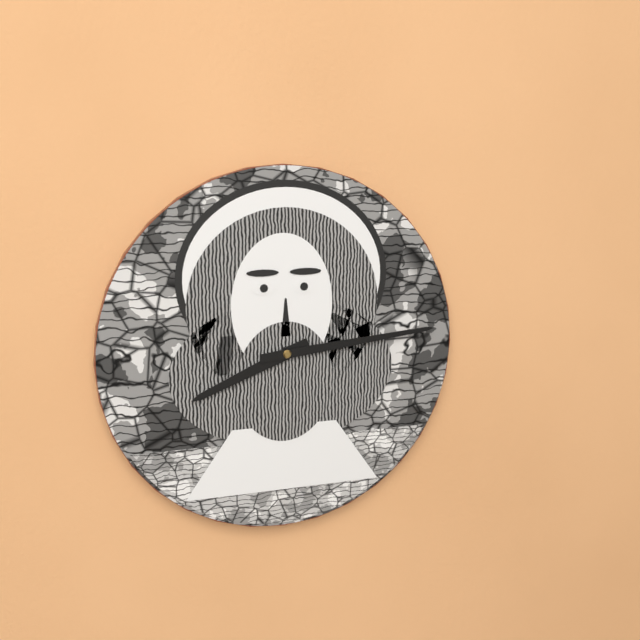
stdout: **8:14**
